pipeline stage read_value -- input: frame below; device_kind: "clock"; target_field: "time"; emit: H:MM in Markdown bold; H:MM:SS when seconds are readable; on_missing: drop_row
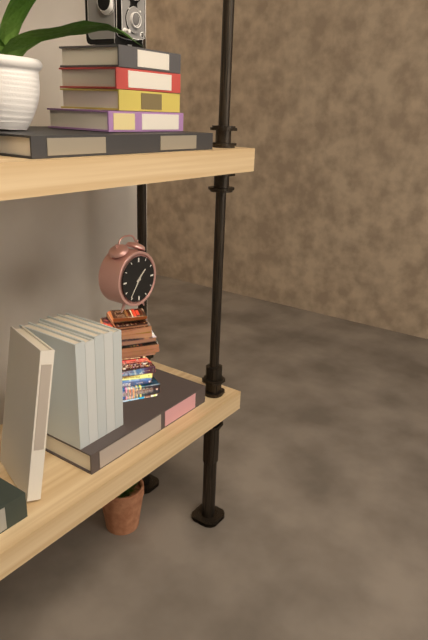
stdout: **1:36**
